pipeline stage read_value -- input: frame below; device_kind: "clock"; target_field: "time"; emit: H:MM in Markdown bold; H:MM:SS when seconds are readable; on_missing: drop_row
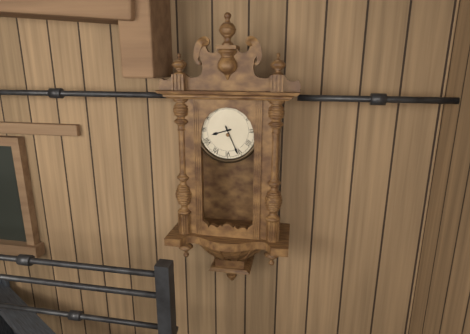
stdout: **8:26**
